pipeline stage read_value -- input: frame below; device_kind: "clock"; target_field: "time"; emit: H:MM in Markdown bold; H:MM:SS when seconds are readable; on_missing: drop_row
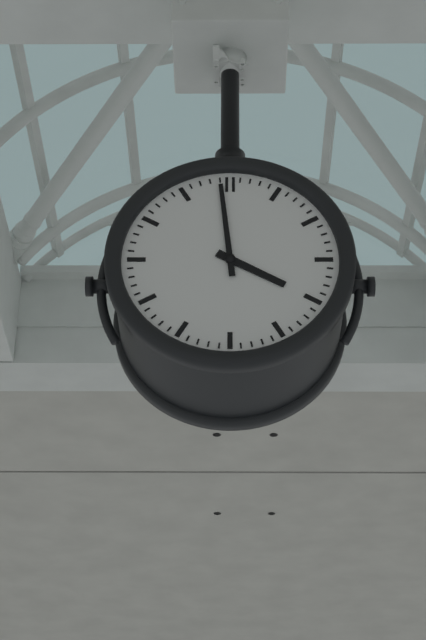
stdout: **3:59**
